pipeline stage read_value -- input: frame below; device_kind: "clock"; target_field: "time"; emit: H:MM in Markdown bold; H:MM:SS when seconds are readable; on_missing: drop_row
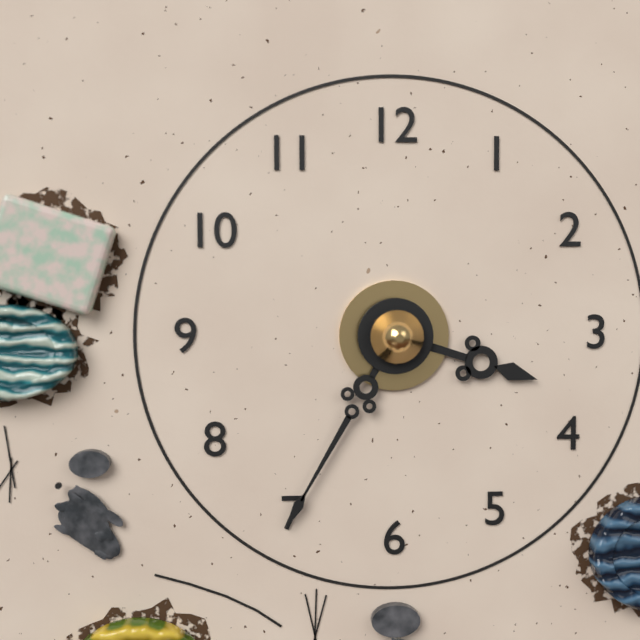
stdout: **3:35**
